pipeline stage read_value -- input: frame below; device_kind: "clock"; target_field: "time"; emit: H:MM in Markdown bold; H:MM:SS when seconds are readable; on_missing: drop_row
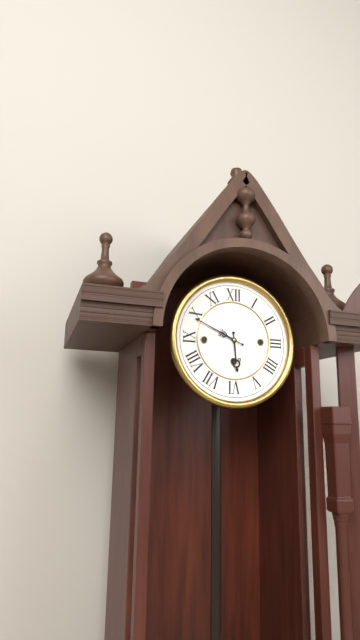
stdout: **5:49**
